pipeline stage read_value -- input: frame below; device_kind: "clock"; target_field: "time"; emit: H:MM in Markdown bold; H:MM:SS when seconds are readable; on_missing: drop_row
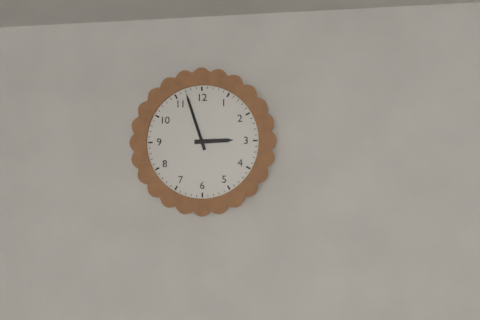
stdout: **2:57**
